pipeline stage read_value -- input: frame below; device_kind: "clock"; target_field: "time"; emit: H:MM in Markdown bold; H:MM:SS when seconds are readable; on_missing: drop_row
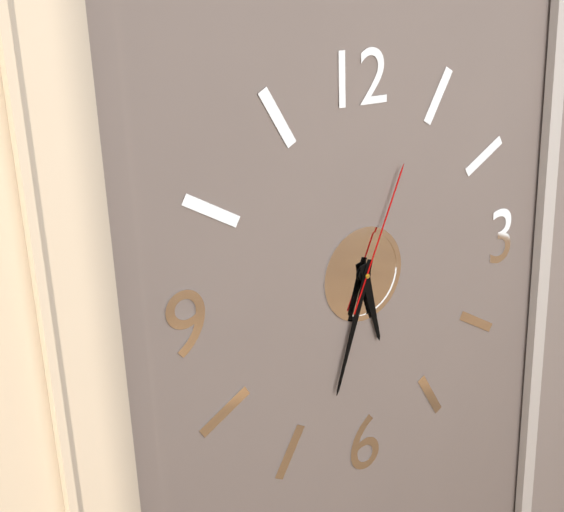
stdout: **5:33:04**
